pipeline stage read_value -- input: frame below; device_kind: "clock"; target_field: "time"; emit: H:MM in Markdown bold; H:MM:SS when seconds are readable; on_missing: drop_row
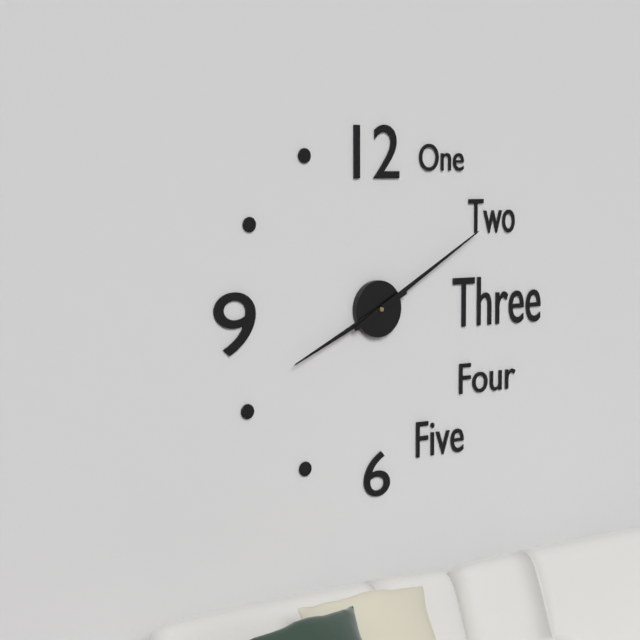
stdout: **8:10**
